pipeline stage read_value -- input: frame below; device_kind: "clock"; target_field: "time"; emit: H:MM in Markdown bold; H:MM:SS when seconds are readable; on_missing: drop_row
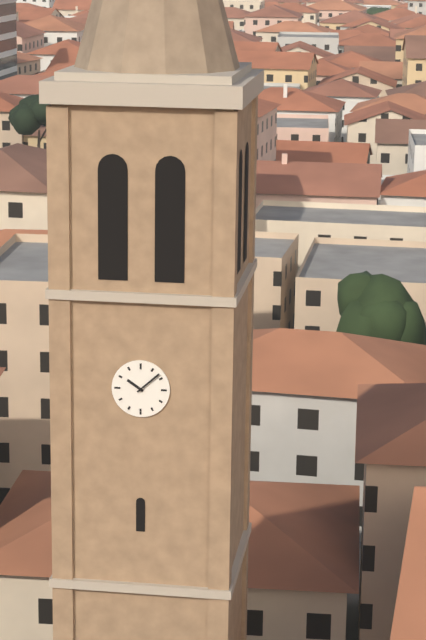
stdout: **10:08**
